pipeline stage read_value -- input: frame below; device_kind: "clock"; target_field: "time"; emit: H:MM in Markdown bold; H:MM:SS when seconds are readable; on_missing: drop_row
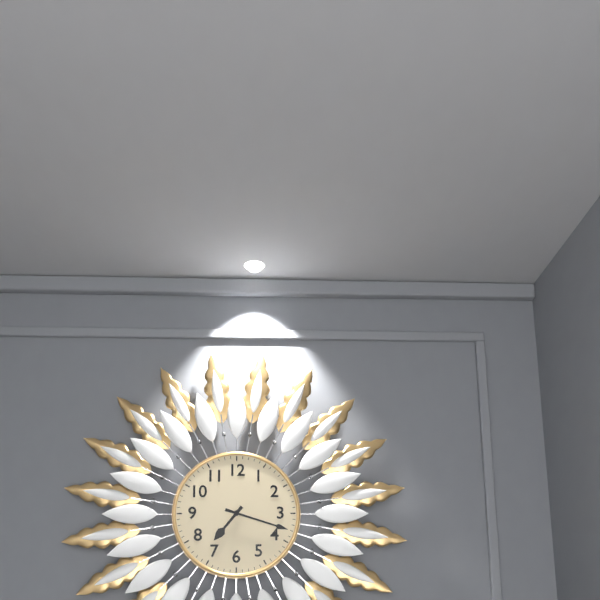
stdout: **7:18**
